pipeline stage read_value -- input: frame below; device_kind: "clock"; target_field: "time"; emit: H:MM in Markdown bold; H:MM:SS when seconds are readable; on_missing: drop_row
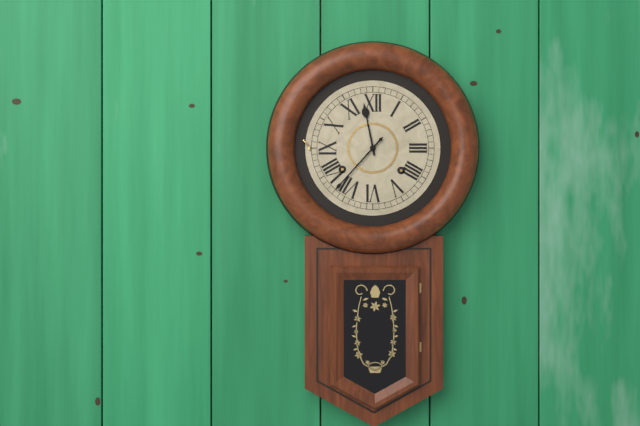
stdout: **11:37**
